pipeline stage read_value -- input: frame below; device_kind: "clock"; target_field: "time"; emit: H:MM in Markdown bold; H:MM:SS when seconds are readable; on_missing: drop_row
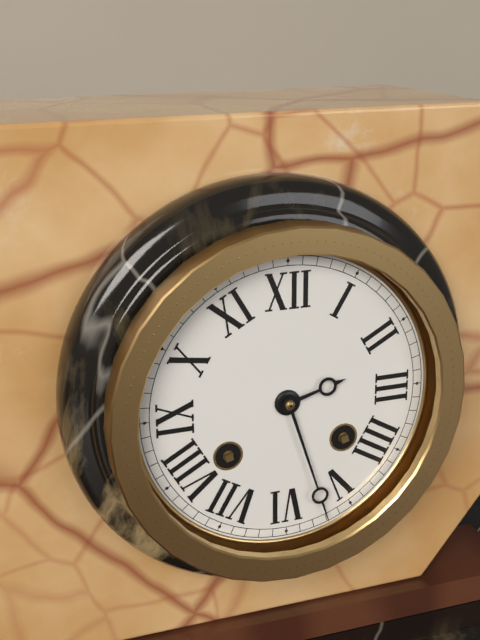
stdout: **2:27**
